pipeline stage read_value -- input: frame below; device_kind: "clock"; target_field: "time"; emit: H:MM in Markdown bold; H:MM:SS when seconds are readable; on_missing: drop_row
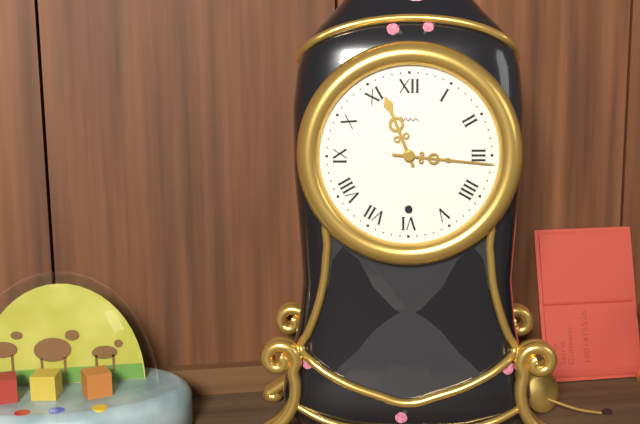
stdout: **11:16**
